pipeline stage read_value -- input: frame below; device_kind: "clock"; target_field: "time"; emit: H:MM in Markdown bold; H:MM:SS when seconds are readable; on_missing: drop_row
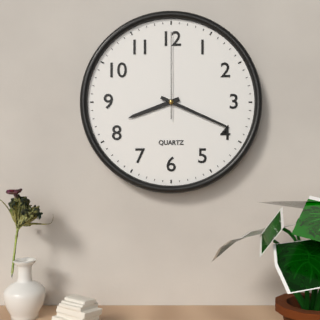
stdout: **8:19:00**
